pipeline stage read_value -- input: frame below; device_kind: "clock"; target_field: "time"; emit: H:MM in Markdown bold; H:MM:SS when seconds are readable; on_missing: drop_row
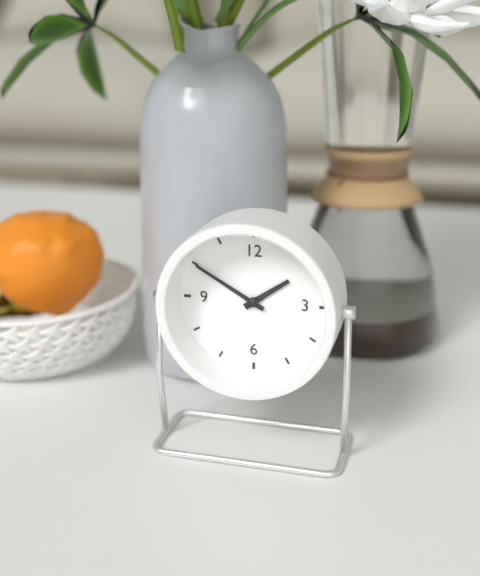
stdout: **1:50**
